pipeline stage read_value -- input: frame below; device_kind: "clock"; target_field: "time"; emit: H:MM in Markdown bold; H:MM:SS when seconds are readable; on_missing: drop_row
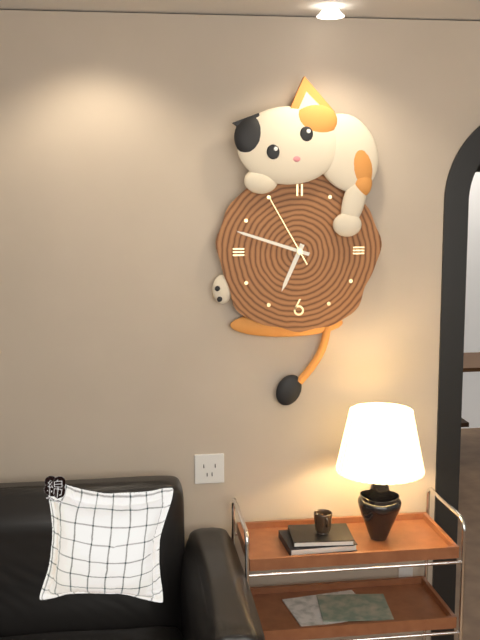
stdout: **6:48:55**
